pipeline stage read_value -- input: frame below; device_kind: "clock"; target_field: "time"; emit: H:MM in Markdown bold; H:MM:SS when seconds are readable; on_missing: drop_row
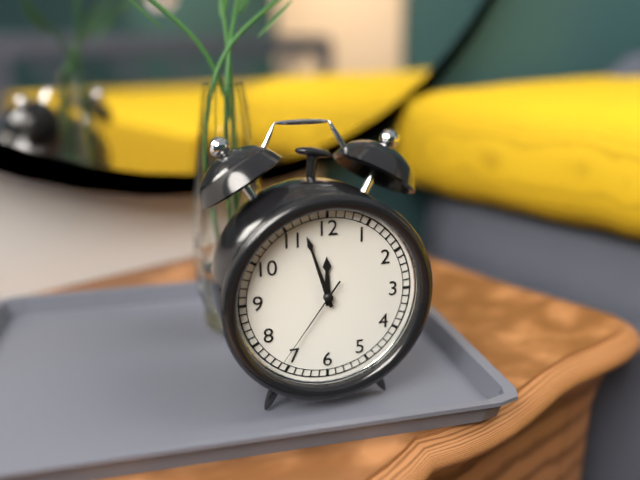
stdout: **11:57:36**
